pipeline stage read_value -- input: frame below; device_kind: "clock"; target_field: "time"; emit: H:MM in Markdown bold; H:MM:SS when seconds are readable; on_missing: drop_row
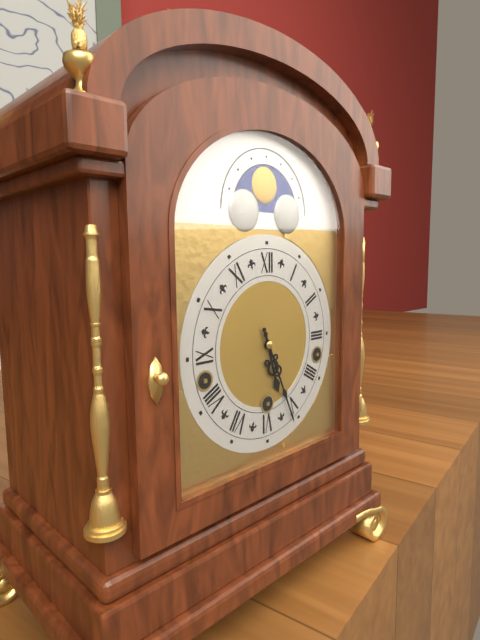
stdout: **5:26**
